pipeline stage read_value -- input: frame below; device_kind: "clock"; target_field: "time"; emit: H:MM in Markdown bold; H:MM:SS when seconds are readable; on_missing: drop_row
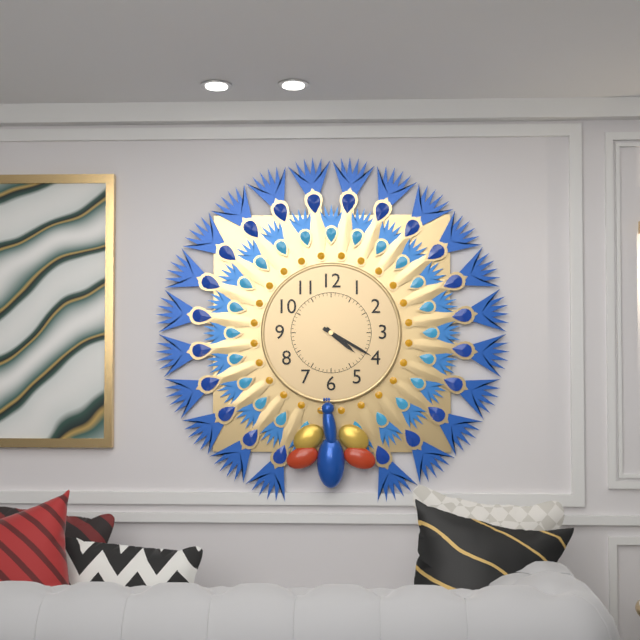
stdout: **4:20**
